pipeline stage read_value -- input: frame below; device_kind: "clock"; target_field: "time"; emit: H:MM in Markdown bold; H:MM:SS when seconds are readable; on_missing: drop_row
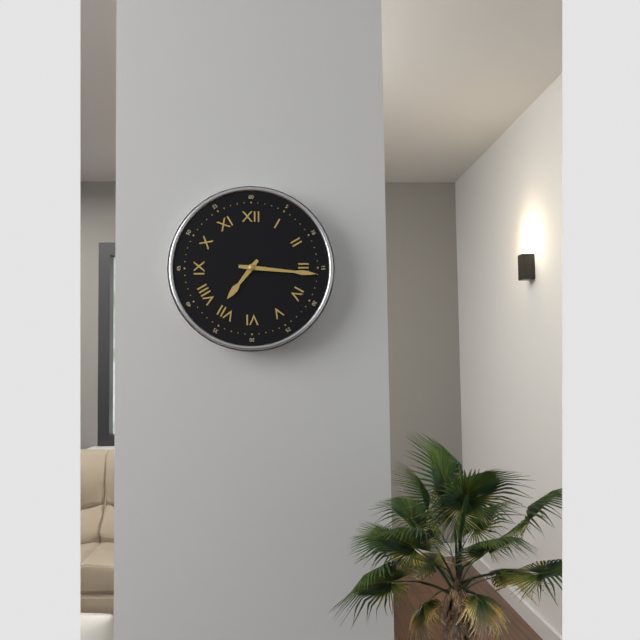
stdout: **7:16**
